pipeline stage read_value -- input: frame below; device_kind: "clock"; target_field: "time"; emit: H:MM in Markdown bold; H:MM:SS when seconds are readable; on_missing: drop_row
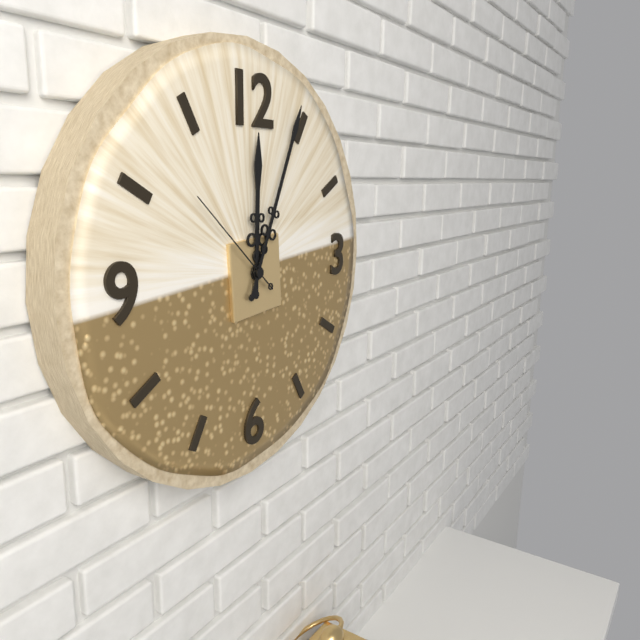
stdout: **12:04:52**
